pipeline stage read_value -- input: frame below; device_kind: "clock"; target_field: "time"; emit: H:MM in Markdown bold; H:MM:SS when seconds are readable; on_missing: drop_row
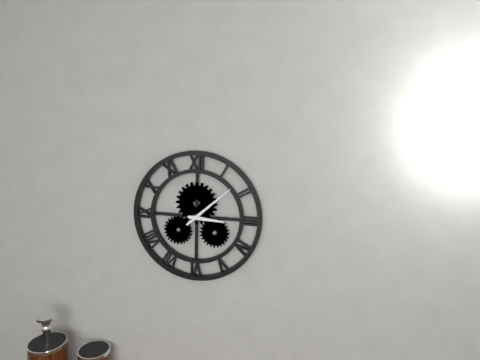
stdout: **3:08**
